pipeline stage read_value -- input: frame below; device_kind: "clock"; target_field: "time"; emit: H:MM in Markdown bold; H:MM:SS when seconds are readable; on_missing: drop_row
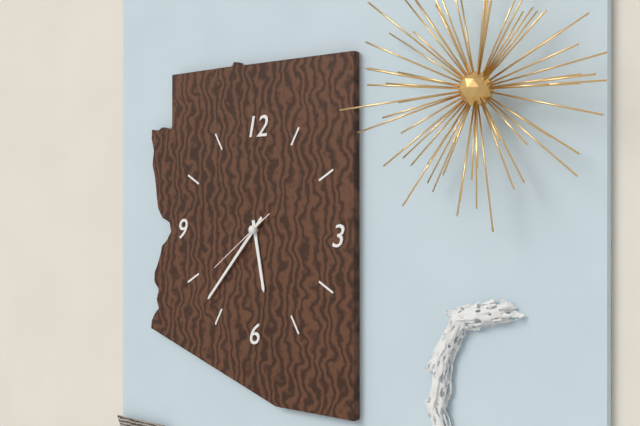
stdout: **5:37:39**
